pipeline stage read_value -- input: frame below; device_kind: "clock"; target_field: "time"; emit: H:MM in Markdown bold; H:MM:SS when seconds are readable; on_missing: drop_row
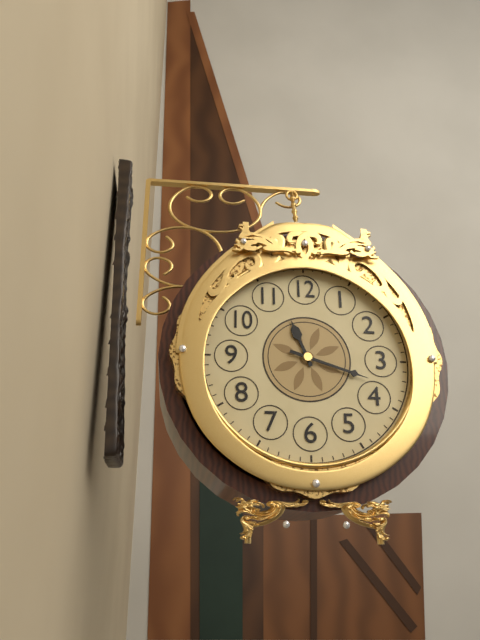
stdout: **11:18**
